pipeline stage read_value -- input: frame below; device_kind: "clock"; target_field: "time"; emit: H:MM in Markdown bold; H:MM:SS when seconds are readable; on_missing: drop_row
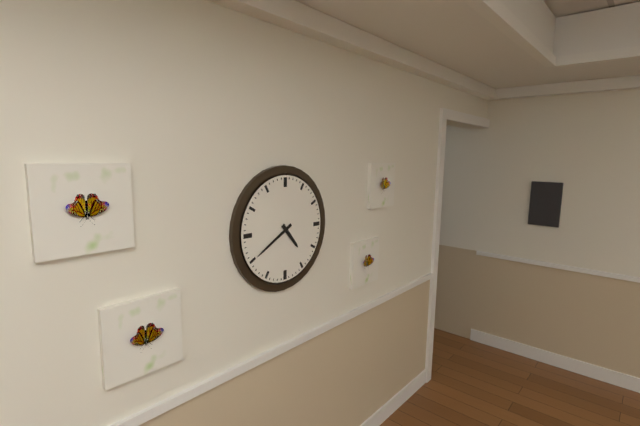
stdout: **4:40**
